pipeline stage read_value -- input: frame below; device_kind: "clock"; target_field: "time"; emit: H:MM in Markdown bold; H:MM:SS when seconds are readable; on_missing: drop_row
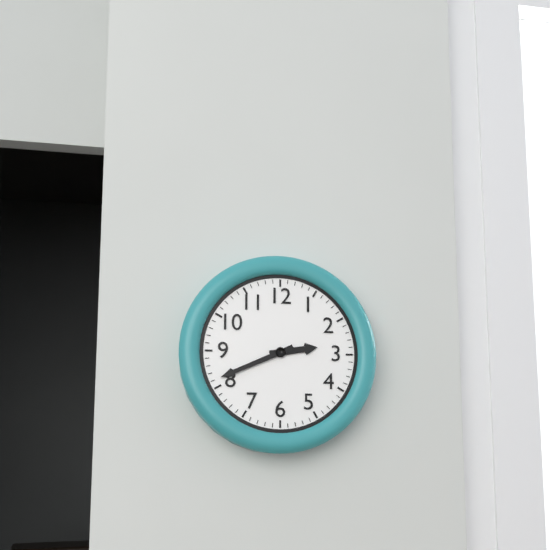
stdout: **2:41**
